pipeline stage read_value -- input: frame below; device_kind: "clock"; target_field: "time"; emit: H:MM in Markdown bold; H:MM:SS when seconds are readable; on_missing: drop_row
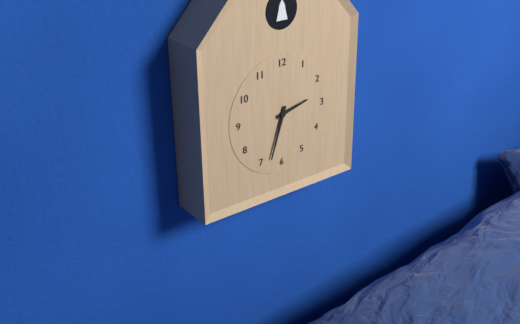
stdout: **2:33**
